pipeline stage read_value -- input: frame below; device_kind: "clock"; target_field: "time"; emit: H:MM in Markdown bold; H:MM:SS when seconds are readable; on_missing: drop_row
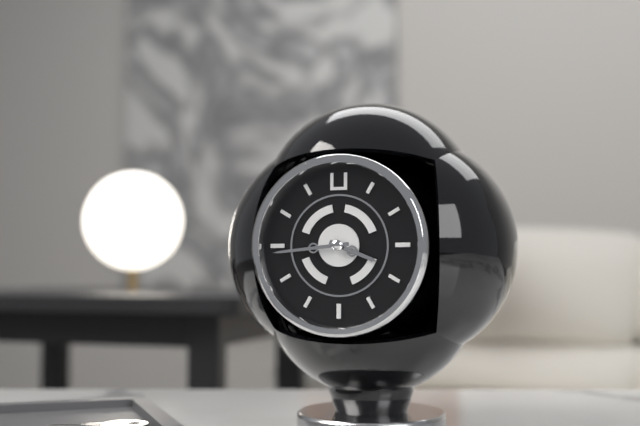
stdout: **3:44**
